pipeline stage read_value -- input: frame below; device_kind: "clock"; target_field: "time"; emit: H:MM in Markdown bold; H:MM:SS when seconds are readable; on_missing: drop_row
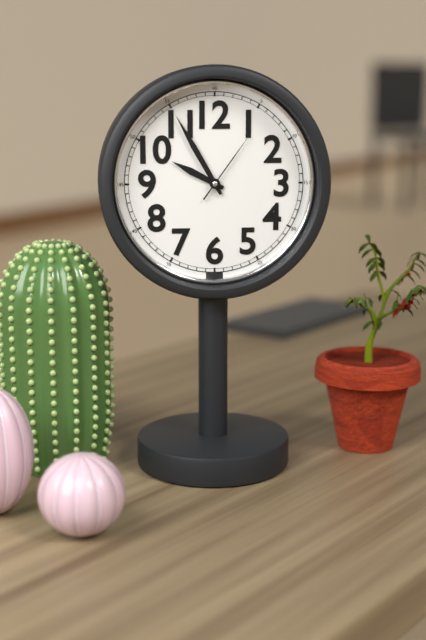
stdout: **9:55:06**
